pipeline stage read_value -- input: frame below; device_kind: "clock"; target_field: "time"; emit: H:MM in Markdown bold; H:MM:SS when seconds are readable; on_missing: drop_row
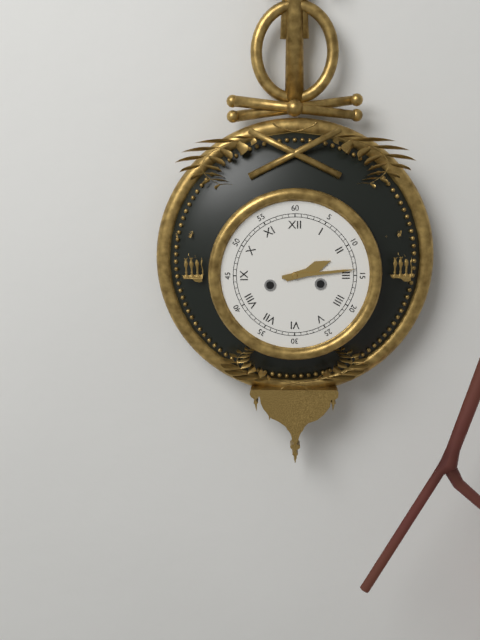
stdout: **2:14**
